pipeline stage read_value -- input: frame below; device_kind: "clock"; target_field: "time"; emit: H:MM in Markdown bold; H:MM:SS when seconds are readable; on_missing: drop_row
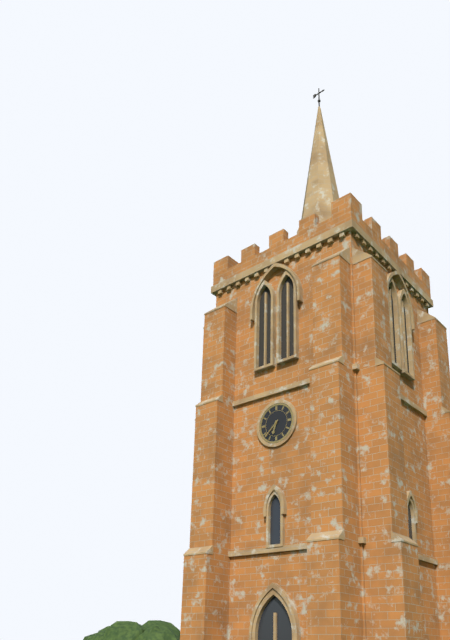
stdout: **6:38**
